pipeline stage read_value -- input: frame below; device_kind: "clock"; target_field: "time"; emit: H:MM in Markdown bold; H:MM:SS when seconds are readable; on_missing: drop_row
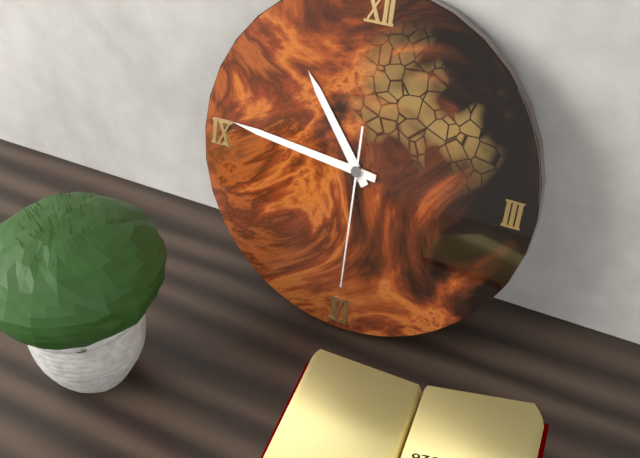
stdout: **10:46:30**
